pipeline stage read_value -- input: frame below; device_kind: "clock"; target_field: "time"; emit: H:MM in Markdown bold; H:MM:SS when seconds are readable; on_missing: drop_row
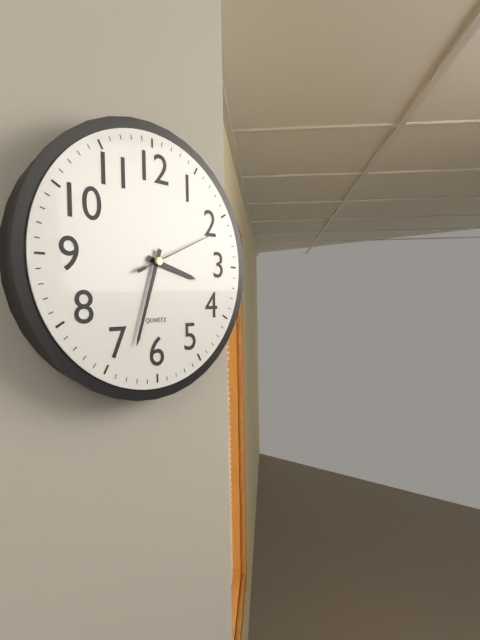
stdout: **3:33:11**
